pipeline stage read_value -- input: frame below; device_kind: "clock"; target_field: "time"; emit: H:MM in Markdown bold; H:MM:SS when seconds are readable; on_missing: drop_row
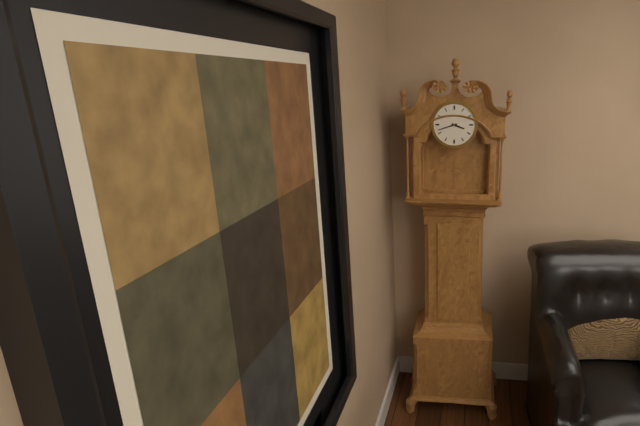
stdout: **3:42**
